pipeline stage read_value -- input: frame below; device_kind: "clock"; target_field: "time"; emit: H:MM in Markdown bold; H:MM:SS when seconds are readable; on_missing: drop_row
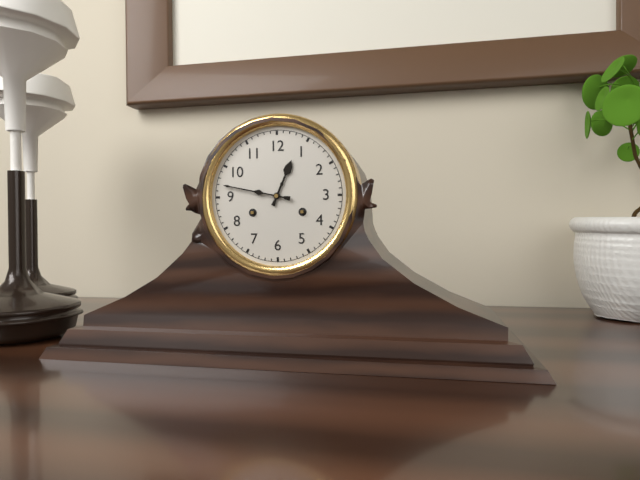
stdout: **12:47**
